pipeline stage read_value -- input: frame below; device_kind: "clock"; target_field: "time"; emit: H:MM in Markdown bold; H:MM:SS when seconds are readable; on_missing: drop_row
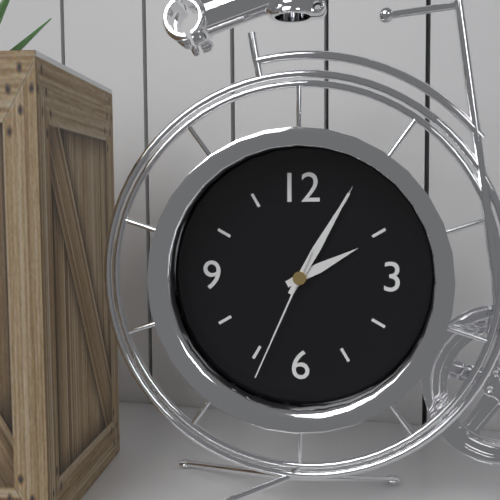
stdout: **2:05:34**
